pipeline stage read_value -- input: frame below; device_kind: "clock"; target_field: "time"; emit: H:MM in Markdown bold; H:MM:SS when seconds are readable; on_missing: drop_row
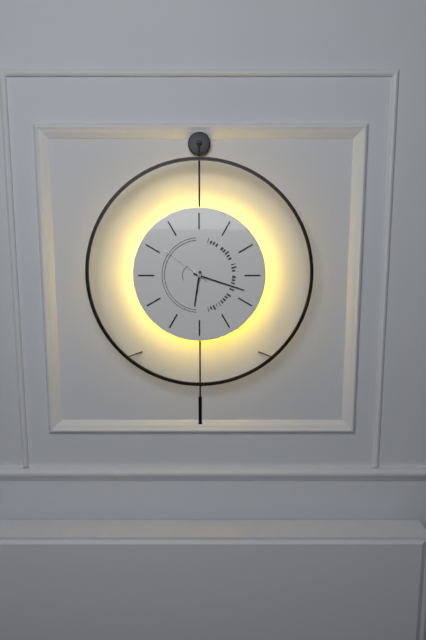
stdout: **6:18:51**
